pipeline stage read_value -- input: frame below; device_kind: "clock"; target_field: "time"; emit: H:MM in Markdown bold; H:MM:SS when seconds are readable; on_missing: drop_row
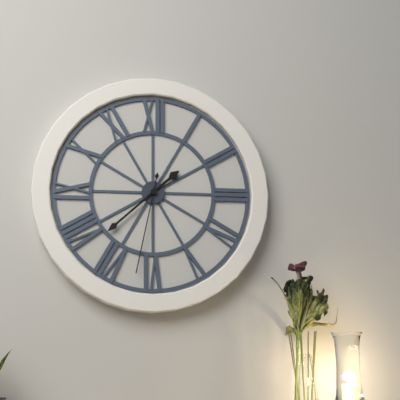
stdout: **1:38:32**
